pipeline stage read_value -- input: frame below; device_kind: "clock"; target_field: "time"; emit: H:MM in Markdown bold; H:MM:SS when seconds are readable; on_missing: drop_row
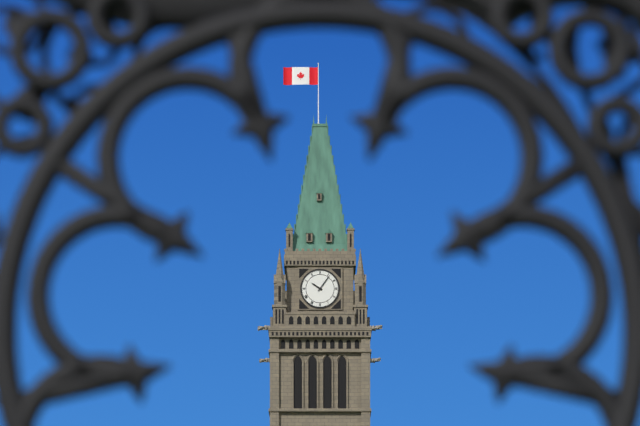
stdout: **10:06**
